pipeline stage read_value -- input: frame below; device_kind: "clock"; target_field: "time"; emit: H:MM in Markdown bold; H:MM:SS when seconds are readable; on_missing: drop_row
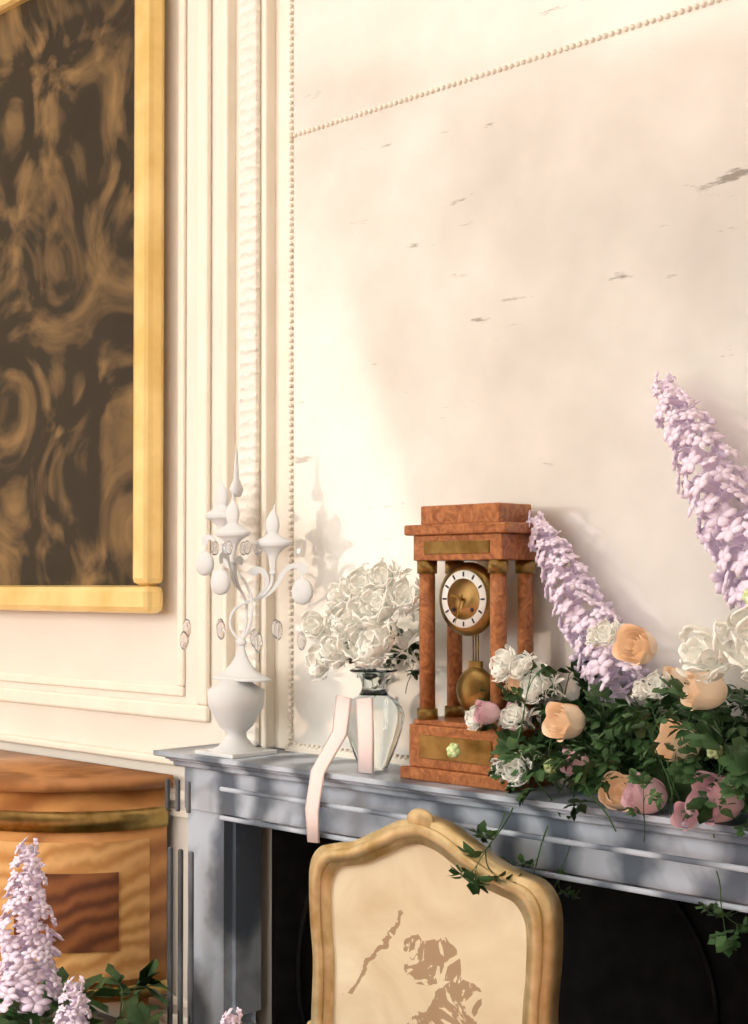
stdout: **9:33**
